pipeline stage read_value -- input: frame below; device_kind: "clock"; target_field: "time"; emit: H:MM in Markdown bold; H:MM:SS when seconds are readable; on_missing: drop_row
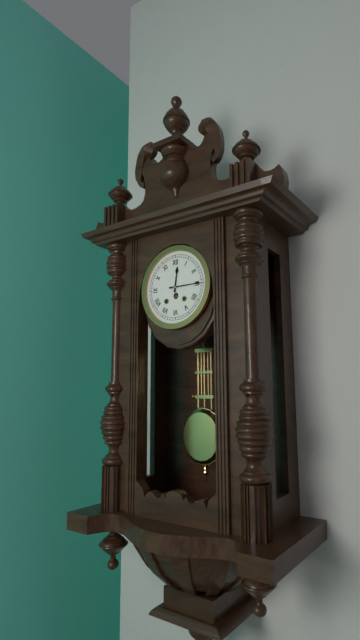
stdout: **12:15**
